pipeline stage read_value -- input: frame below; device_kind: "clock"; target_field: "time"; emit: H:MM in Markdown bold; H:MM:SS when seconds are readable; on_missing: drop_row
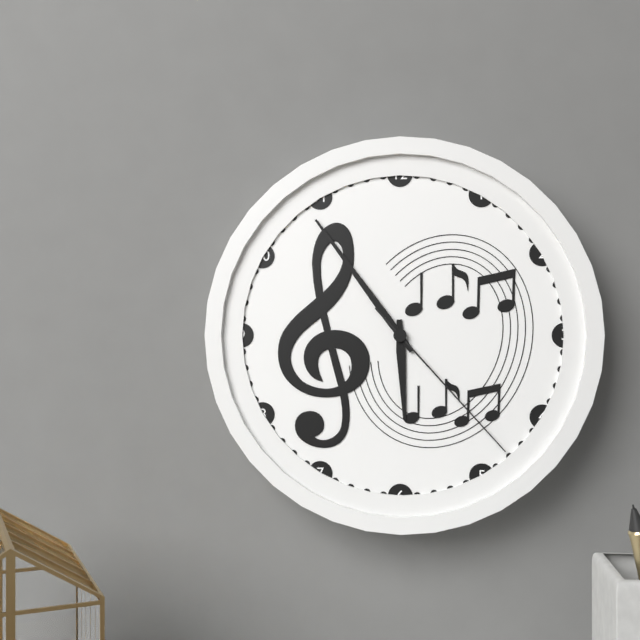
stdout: **5:54:23**
